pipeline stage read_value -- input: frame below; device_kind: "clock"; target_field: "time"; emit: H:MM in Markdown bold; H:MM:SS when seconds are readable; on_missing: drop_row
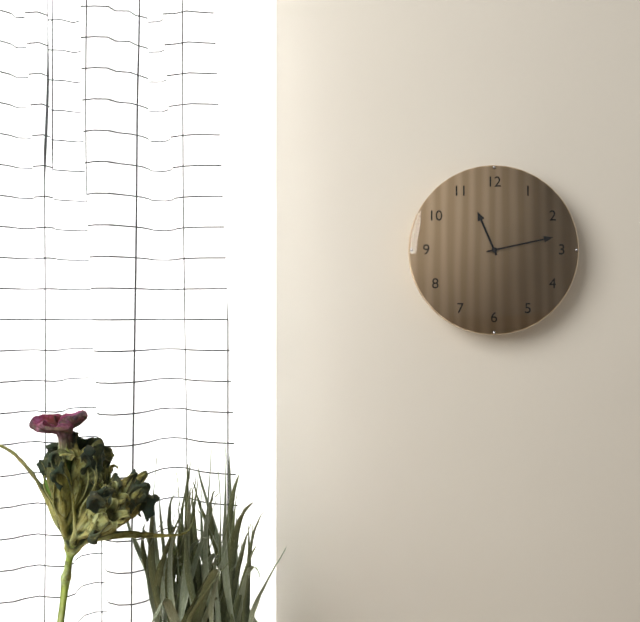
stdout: **11:13**
